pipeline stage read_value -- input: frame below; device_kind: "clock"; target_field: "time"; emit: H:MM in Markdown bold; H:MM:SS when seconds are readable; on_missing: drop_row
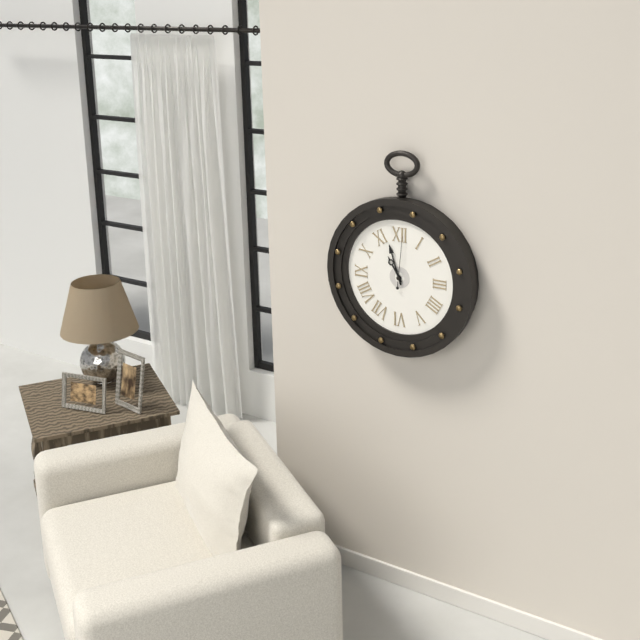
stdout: **10:57:01**
